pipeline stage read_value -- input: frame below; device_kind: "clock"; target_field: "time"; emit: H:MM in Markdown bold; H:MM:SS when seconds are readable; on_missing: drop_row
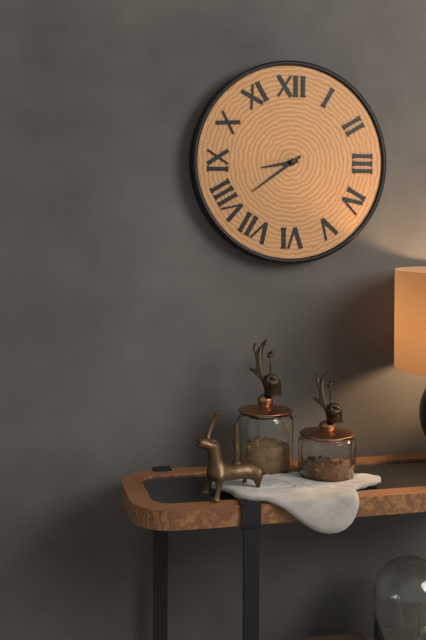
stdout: **8:39**
